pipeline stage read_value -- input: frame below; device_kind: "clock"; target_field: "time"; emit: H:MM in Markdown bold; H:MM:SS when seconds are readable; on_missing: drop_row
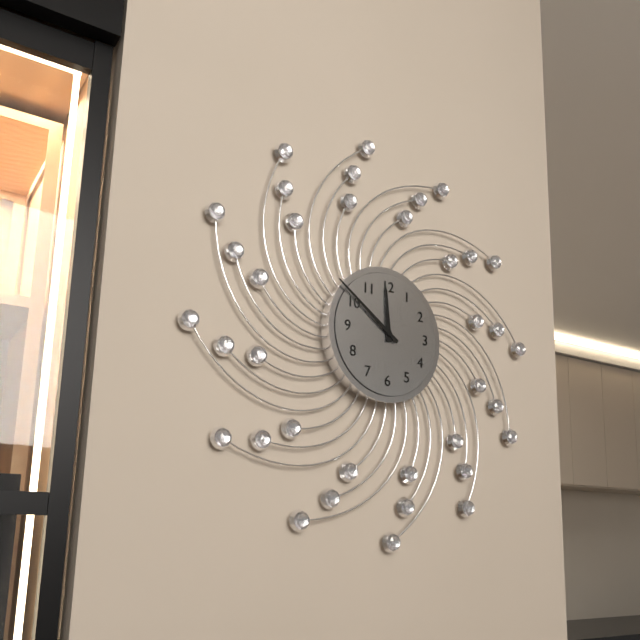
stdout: **11:51**
